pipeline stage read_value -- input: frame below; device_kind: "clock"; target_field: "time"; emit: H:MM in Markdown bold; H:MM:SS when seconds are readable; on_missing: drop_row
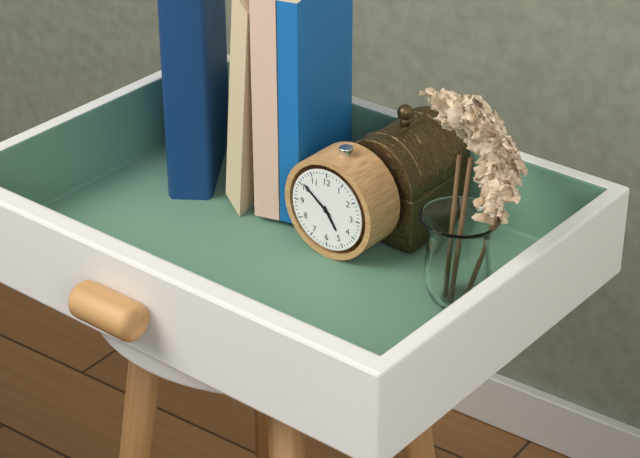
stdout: **4:51**
